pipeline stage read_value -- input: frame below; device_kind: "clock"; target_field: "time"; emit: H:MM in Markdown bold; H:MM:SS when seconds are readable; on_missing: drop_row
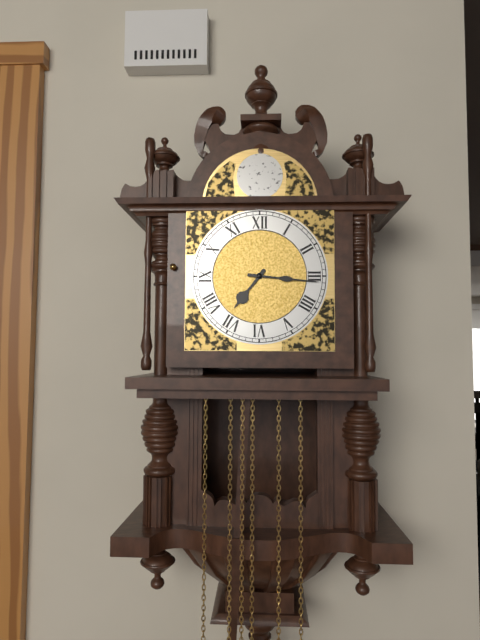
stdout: **7:16**
